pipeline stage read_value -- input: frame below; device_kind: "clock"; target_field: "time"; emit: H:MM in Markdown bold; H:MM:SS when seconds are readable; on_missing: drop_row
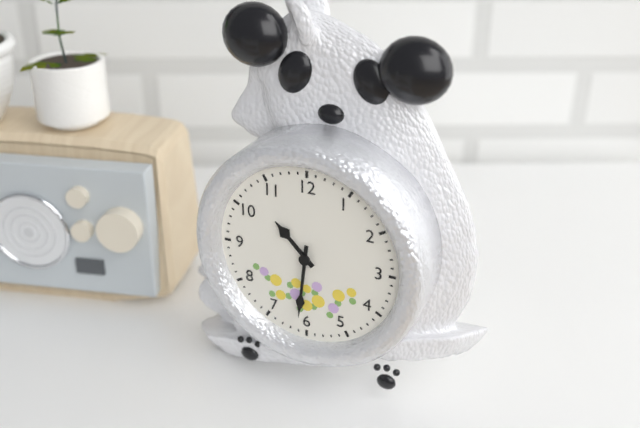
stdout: **10:31**
